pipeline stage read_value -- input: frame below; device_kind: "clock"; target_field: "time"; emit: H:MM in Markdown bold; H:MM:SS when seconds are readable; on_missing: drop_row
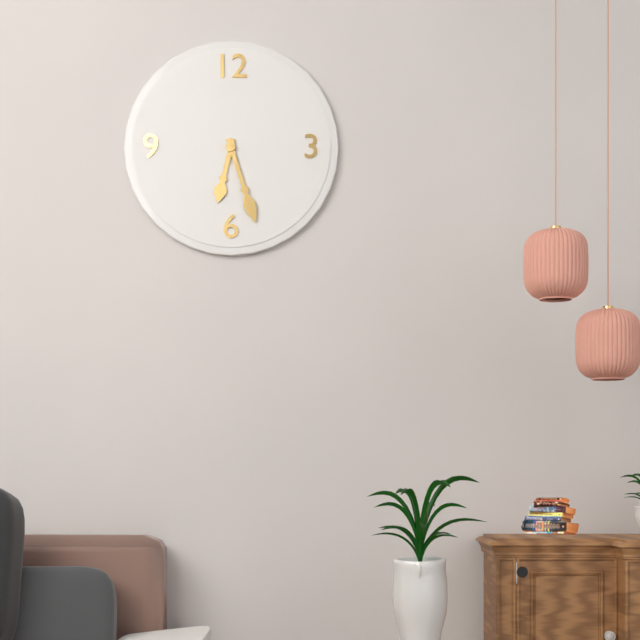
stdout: **6:27**
